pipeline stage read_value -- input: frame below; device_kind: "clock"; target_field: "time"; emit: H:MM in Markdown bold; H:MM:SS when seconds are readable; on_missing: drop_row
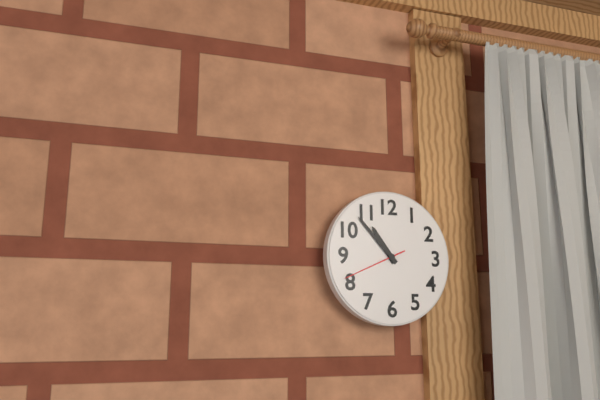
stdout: **10:53:41**
